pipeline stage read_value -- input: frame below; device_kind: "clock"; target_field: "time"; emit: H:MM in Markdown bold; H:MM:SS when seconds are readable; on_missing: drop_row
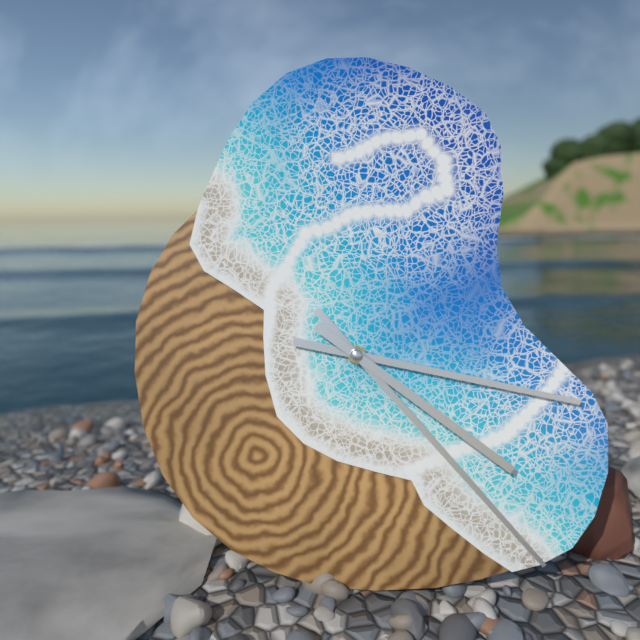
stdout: **3:23:21**
